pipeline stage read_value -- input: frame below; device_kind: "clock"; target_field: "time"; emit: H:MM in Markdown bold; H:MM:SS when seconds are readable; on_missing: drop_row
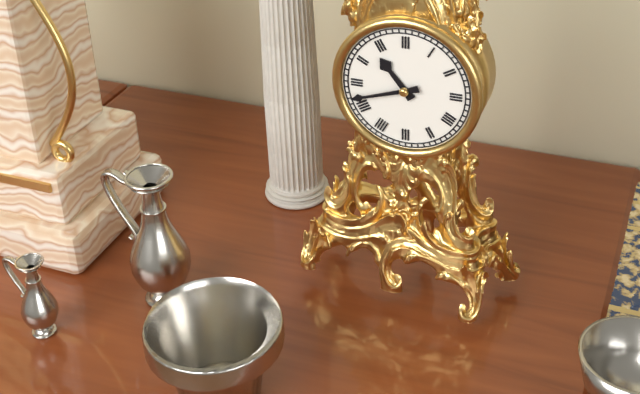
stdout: **10:42**
